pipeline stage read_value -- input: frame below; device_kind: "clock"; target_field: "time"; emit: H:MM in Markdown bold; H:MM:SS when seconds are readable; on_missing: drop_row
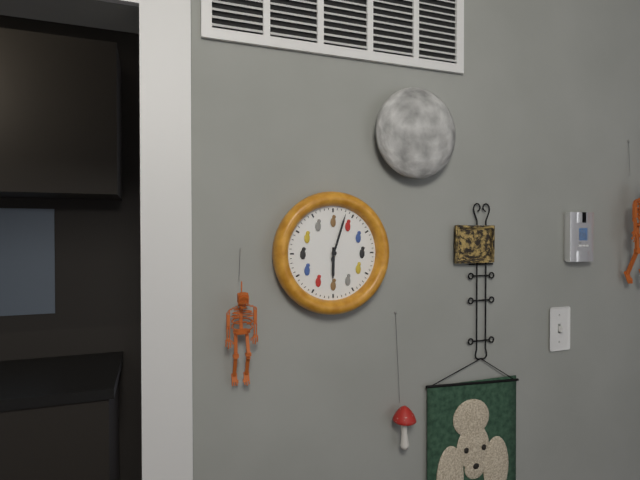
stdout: **6:03**
